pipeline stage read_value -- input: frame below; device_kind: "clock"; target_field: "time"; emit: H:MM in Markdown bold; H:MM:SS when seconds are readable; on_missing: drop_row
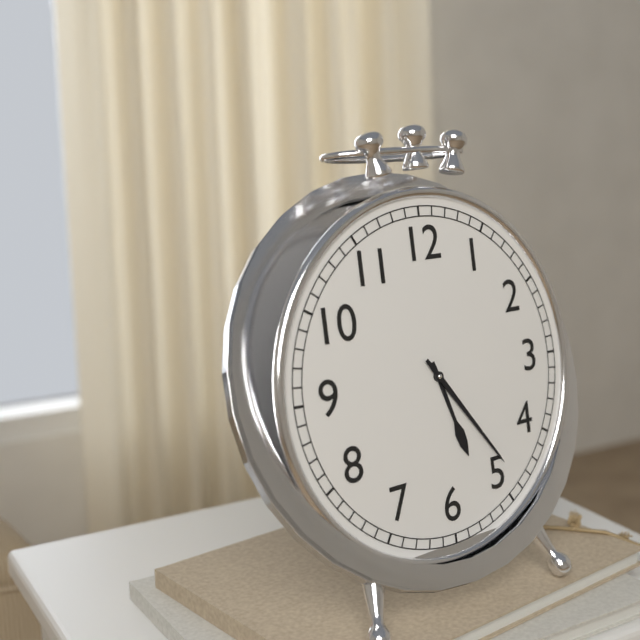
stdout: **5:24**
